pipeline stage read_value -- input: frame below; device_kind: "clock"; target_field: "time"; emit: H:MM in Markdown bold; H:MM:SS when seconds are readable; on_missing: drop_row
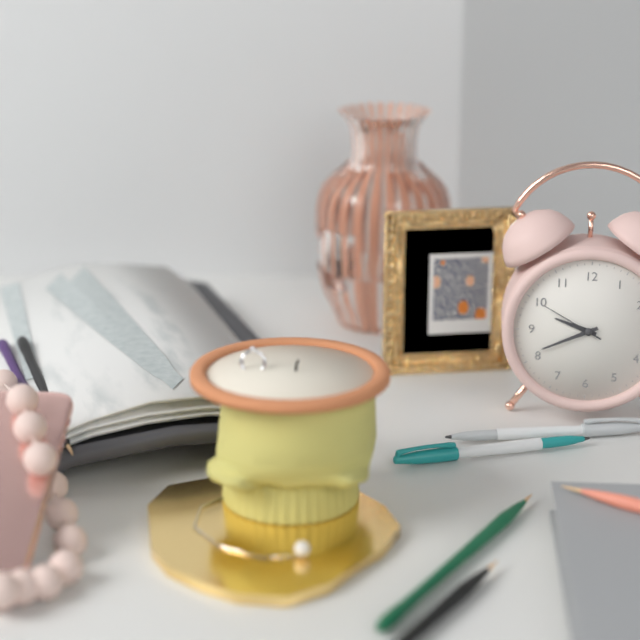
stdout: **9:41:50**
